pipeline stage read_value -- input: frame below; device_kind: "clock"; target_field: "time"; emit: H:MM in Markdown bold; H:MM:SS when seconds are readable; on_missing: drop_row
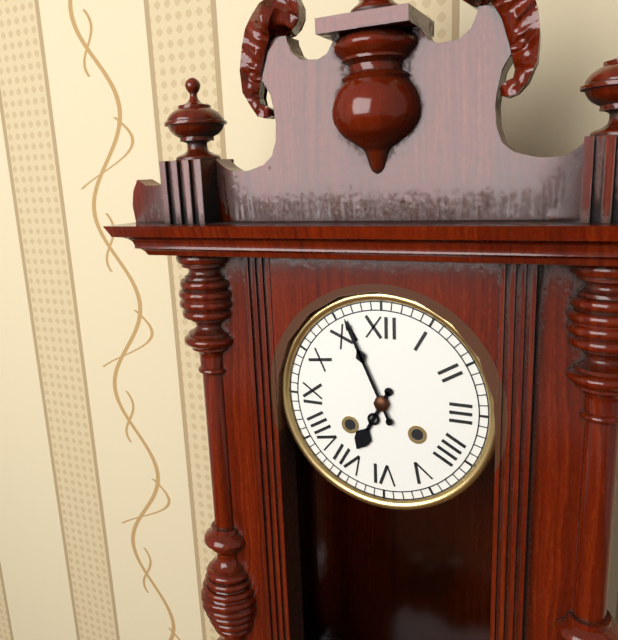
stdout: **6:56**
